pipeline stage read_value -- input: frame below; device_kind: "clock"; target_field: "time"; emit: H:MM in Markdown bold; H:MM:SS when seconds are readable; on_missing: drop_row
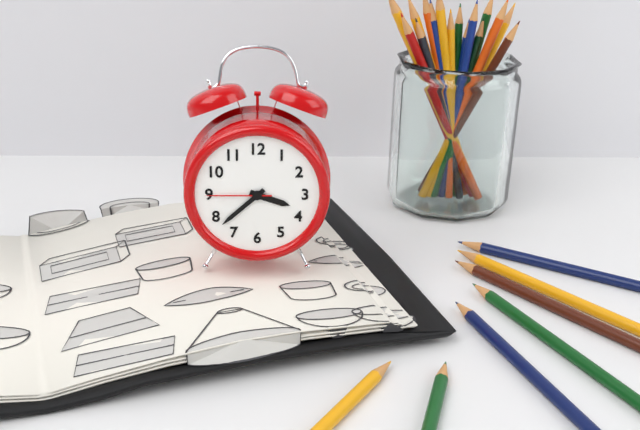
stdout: **3:38:45**
